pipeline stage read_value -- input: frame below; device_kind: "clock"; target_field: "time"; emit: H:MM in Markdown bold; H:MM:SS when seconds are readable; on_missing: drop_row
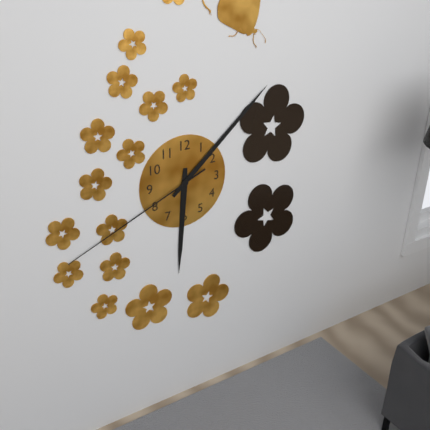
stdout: **6:08:41**
